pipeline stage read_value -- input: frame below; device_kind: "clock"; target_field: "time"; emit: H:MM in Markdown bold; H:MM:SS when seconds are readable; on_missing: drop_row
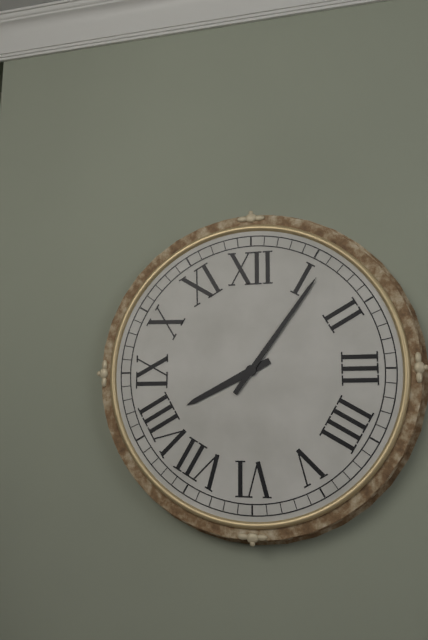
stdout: **8:06**
